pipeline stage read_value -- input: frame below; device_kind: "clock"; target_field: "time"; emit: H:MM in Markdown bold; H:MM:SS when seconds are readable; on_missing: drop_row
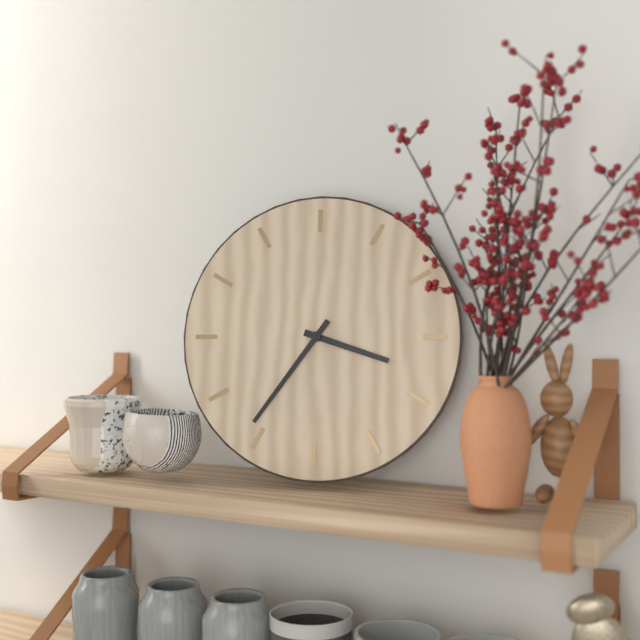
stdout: **3:36**
